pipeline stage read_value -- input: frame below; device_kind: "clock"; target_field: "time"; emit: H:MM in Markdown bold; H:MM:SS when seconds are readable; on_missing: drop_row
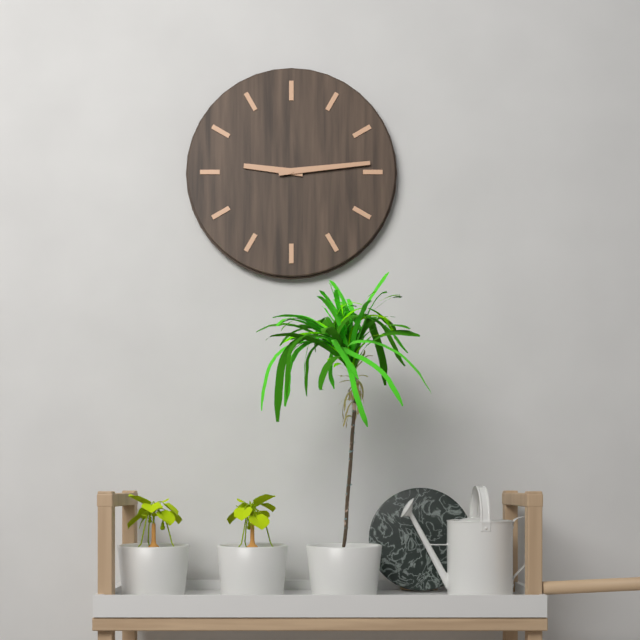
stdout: **9:14**
